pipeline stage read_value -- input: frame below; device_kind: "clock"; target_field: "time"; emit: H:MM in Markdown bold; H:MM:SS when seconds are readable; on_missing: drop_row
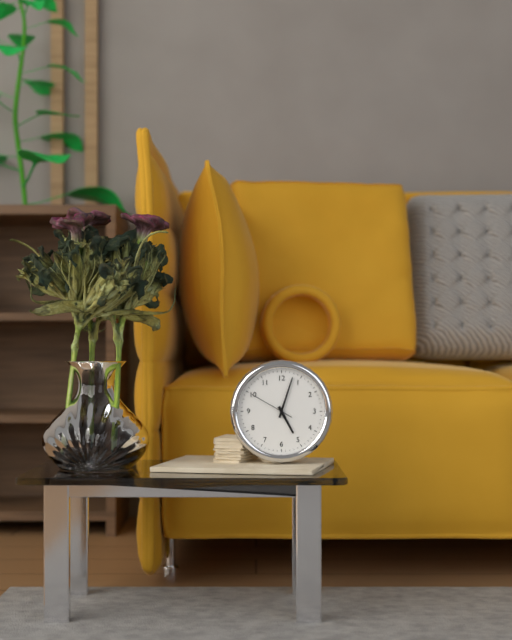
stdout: **5:03**
